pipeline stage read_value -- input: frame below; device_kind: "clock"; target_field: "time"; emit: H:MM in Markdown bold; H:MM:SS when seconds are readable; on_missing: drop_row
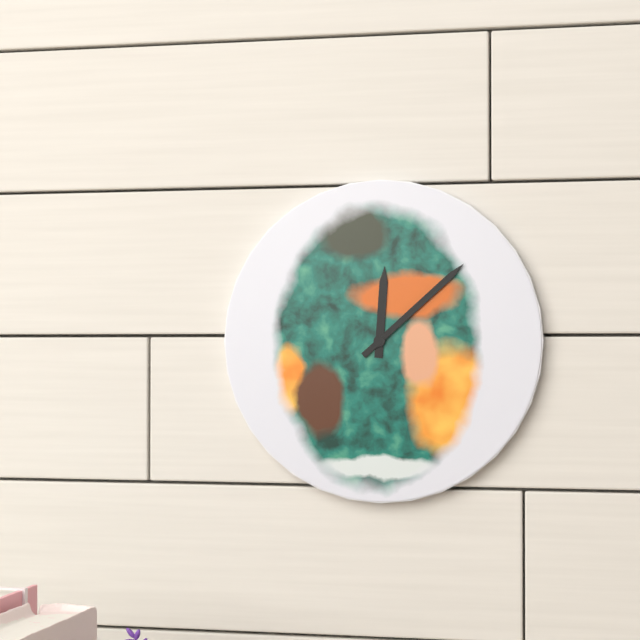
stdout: **12:08**
